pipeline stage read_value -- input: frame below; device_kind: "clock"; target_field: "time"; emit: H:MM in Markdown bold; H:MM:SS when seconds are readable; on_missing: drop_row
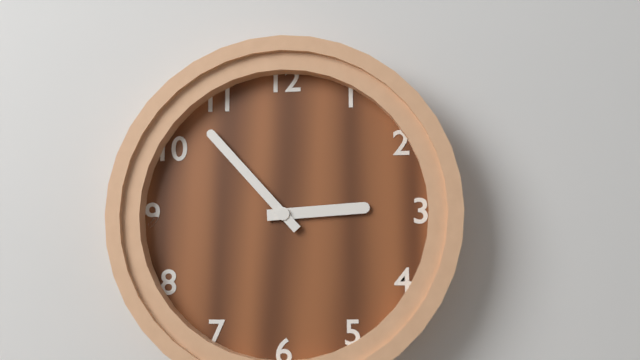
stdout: **2:53**
